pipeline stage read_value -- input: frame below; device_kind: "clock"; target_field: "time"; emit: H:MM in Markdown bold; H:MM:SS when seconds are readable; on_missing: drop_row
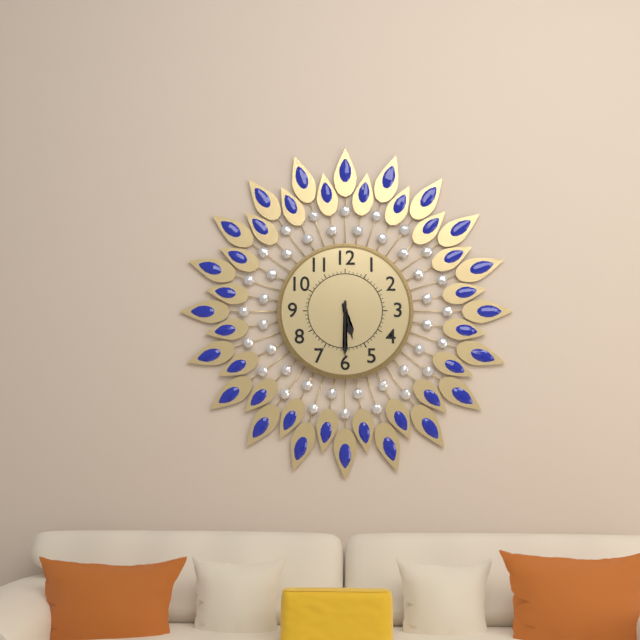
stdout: **5:30**
